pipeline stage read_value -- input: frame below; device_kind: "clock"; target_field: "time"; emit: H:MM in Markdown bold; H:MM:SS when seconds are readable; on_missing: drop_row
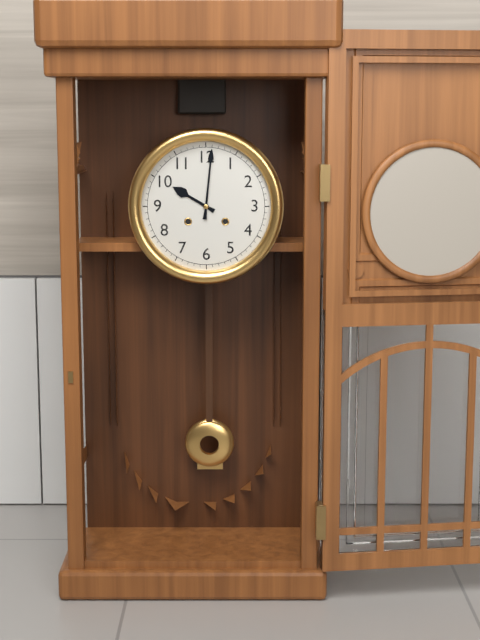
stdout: **10:01**
